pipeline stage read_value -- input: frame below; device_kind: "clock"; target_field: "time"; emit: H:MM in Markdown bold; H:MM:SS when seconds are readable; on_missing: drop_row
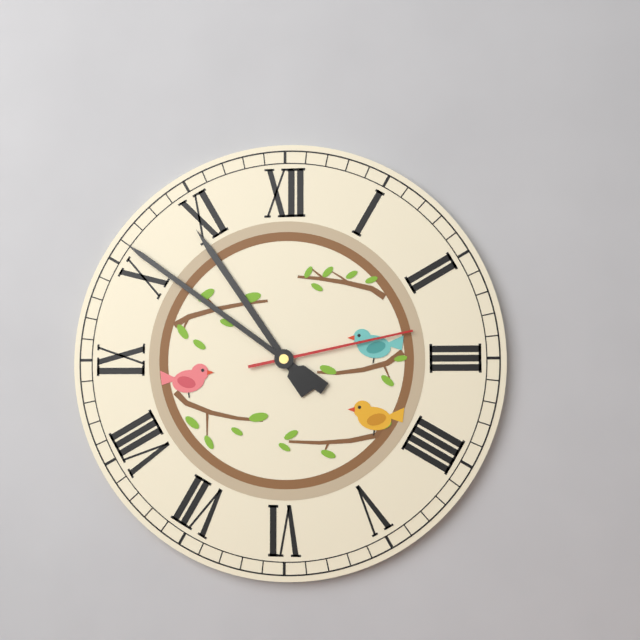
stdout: **10:51:13**
